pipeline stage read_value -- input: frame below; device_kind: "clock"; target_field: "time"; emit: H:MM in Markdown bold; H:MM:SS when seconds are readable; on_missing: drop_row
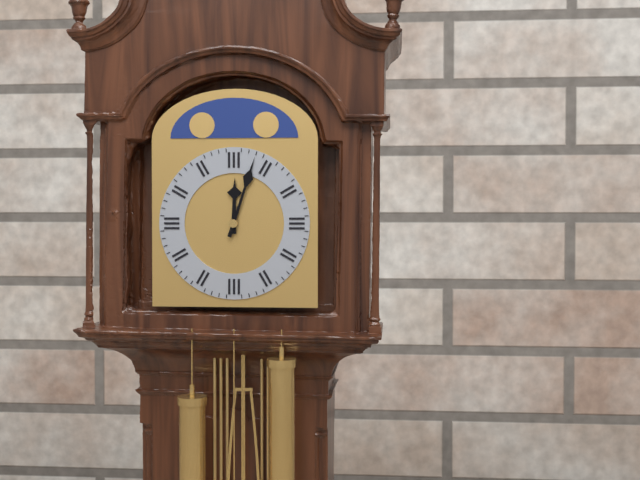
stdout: **12:03**
